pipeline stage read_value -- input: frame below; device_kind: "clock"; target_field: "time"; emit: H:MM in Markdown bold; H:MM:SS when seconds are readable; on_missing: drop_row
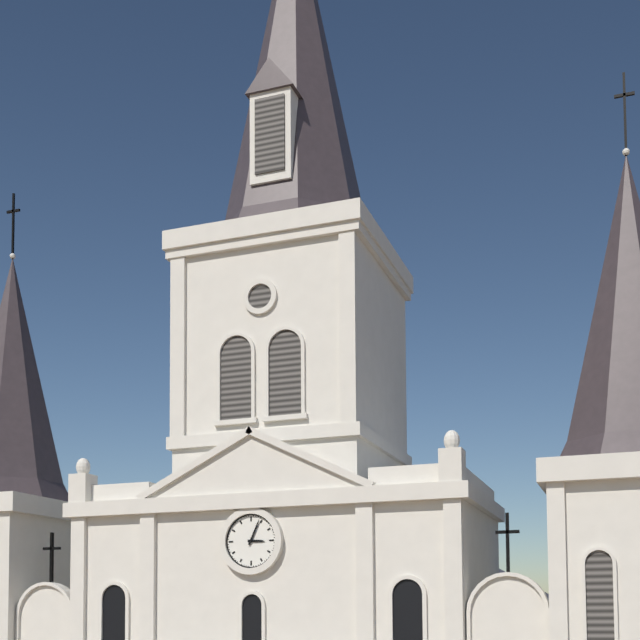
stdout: **3:04**
